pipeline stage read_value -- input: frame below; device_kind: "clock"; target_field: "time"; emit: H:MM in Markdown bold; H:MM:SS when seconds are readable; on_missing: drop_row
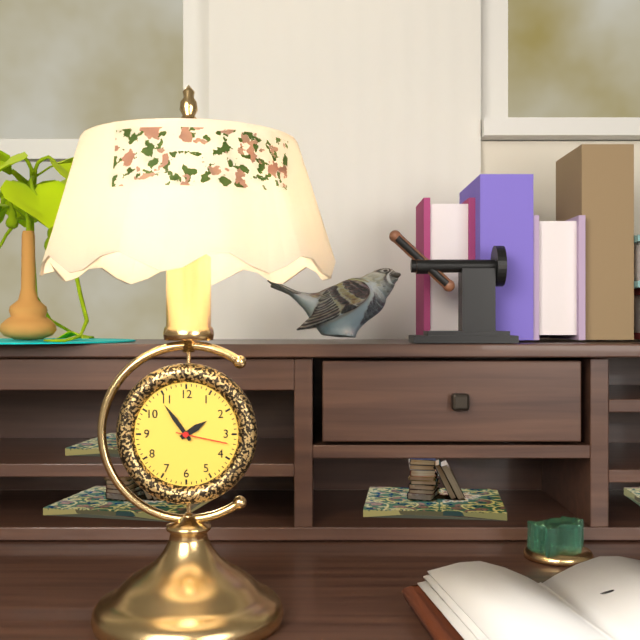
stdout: **1:54:17**
